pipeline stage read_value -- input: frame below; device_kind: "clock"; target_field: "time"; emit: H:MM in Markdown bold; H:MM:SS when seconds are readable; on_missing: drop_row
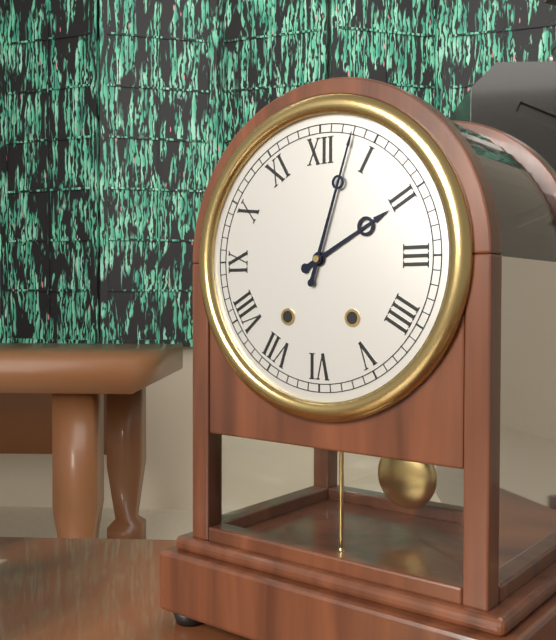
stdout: **2:03**
